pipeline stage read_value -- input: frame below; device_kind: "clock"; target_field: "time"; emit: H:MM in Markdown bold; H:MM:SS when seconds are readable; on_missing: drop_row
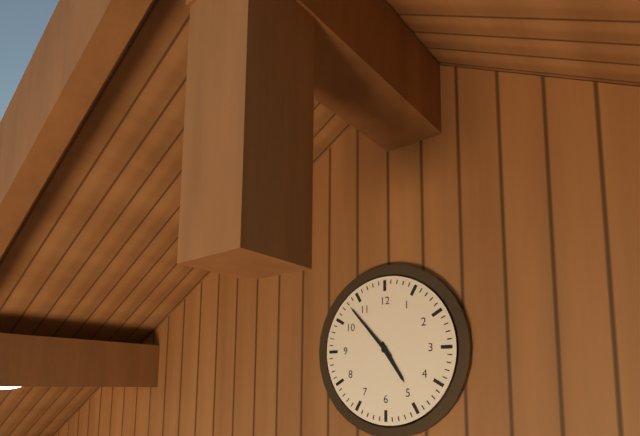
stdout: **4:53**
